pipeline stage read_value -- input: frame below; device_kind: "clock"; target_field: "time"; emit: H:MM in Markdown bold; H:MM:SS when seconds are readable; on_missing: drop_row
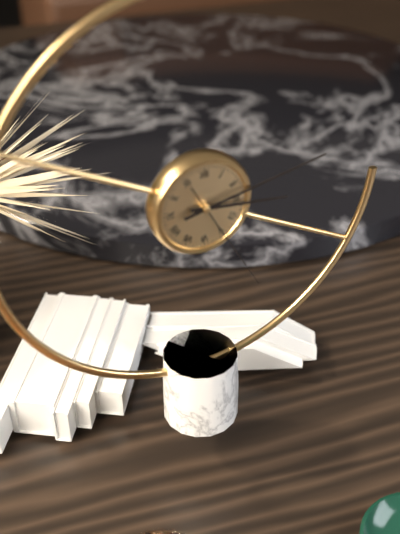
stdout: **3:13:25**
